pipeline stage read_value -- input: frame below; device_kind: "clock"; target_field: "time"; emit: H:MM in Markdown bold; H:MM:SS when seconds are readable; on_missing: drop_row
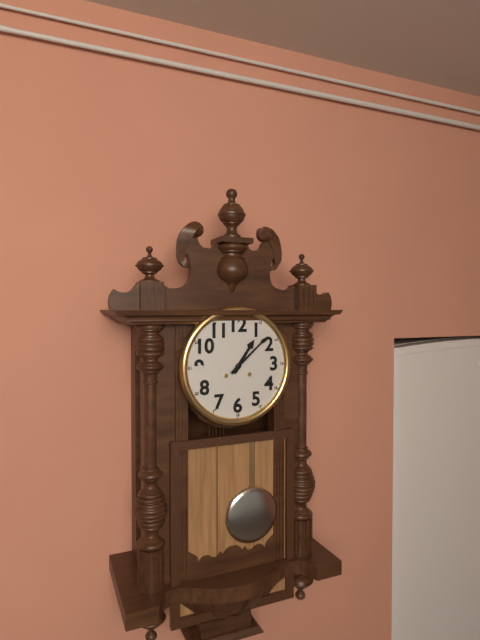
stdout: **1:08**
